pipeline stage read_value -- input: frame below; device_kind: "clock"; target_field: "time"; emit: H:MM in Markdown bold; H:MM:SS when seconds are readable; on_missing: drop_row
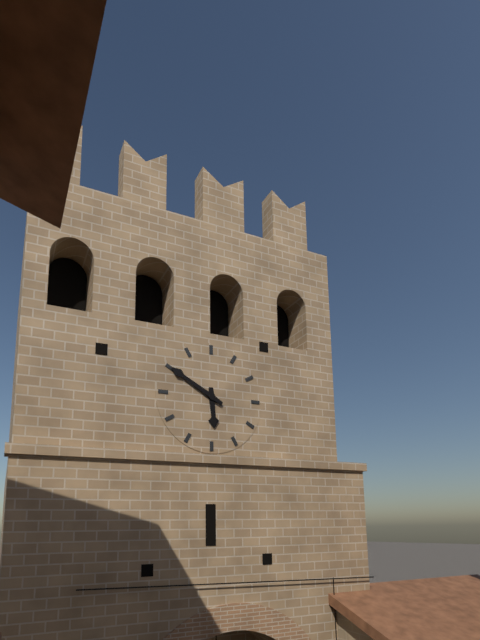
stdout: **5:50**
